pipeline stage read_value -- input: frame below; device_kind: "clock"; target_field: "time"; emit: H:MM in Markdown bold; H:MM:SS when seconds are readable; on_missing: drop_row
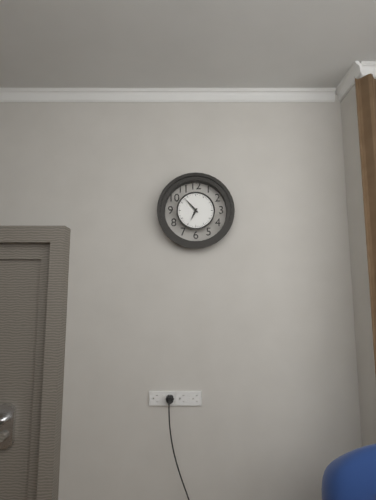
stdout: **6:53**
